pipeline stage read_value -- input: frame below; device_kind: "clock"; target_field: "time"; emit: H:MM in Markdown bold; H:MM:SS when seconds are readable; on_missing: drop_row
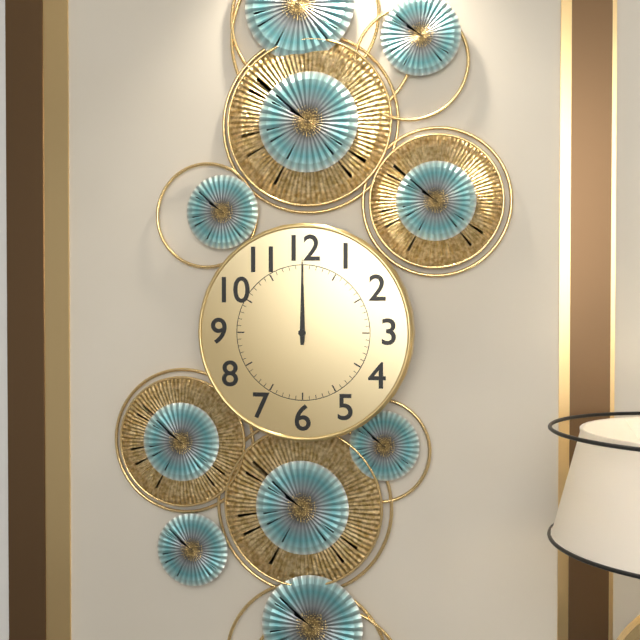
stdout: **12:00**
